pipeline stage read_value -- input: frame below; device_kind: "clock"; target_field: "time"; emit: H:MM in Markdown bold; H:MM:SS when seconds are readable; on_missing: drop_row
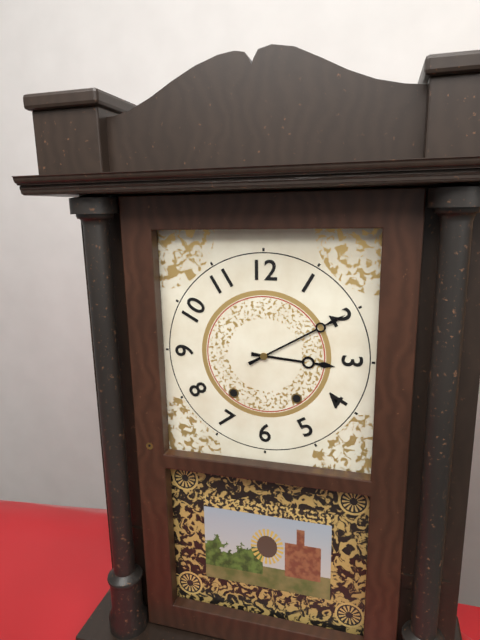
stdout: **3:10**
